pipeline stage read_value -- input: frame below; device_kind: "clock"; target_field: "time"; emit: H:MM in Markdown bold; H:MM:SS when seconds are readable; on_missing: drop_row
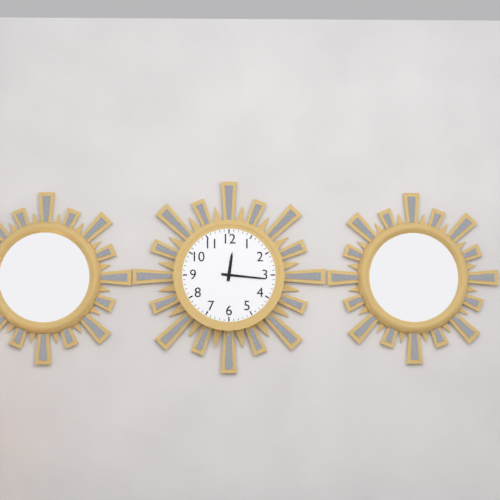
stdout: **12:16**
